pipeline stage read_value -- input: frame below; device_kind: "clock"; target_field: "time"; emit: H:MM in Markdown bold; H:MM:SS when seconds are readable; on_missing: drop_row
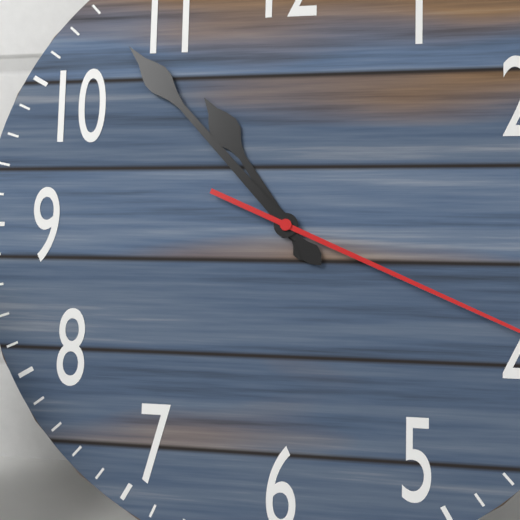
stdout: **10:53**
